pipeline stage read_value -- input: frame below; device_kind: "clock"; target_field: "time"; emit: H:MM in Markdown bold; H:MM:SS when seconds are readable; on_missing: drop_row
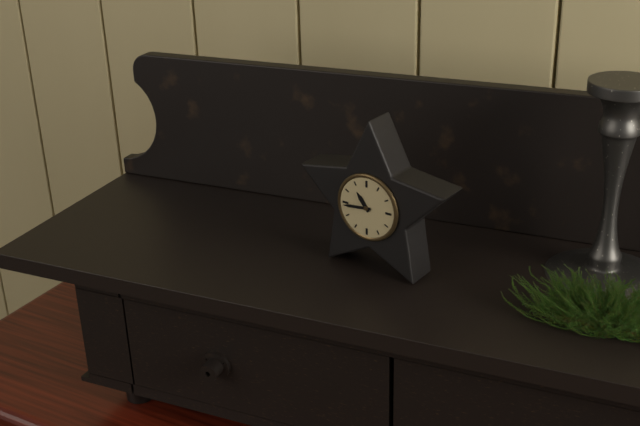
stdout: **10:44**
